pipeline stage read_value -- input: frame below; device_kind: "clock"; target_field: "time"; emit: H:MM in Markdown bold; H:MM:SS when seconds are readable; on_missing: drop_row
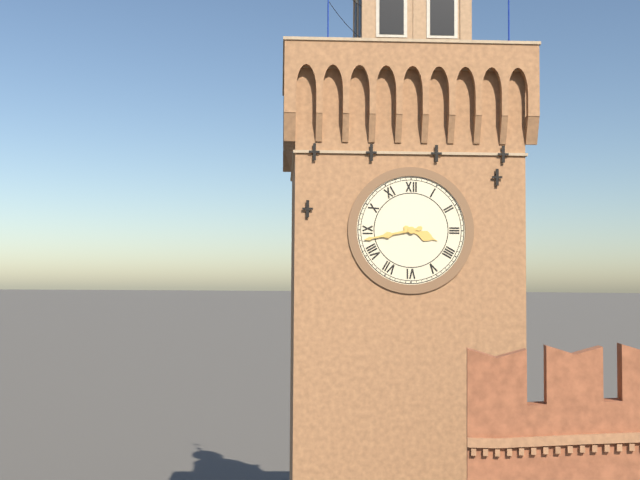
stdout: **3:43**
